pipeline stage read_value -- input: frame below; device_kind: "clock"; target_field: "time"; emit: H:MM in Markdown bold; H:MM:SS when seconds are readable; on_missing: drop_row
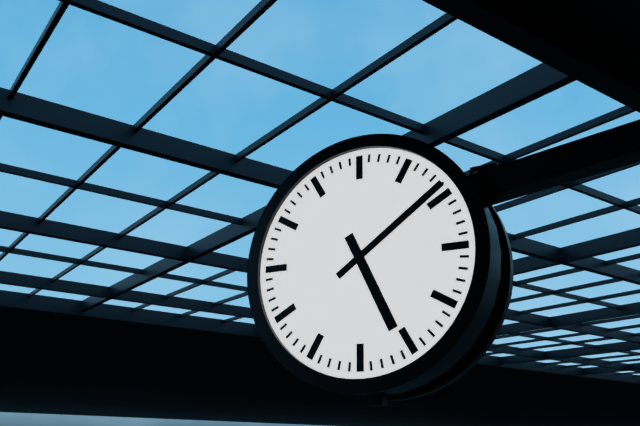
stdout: **5:09**
